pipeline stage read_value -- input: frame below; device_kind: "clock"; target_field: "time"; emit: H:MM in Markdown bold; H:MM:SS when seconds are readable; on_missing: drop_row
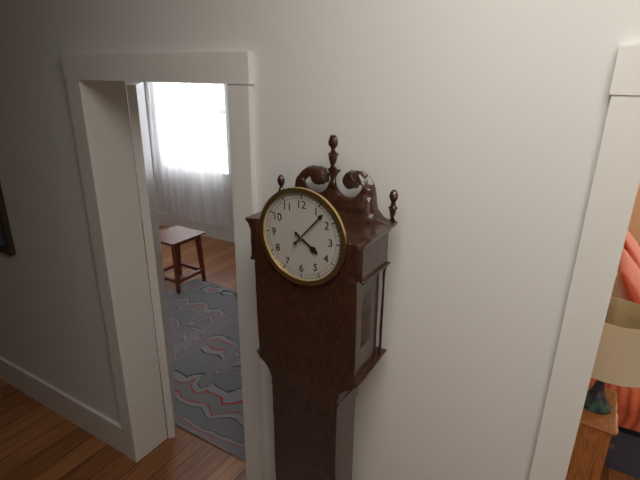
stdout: **4:07**
